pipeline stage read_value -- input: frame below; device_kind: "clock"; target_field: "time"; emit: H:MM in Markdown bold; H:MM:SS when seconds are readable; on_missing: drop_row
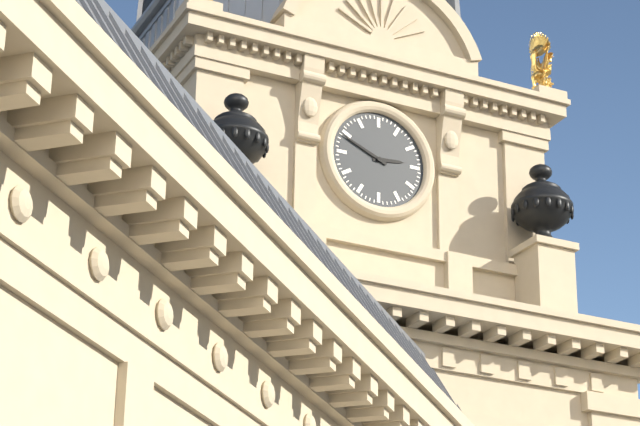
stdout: **2:49**
